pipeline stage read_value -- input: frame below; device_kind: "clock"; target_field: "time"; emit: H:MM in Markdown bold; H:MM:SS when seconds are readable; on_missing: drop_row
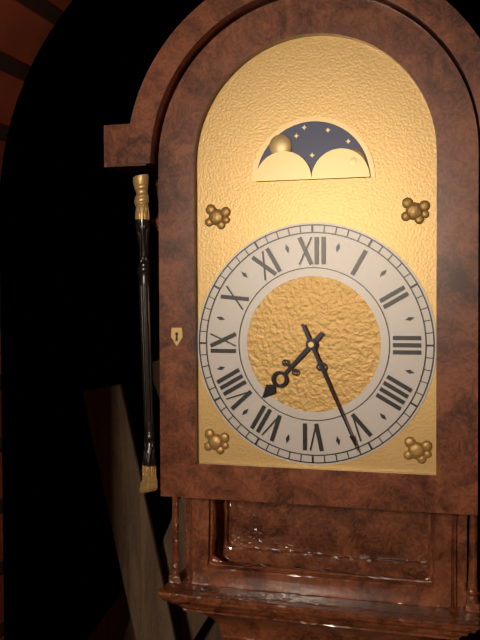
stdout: **7:26**
